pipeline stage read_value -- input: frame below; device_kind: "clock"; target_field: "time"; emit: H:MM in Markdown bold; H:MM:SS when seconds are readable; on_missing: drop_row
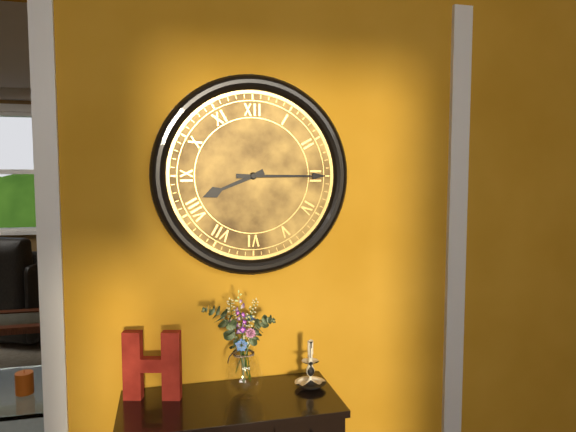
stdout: **8:15**
